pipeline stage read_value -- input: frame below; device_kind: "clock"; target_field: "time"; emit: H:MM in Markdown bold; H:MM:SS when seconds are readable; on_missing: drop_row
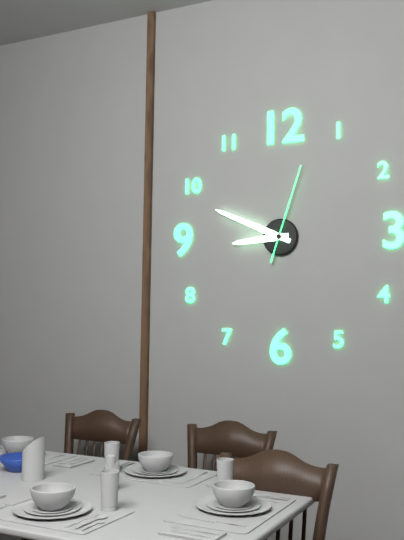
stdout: **8:49:03**
